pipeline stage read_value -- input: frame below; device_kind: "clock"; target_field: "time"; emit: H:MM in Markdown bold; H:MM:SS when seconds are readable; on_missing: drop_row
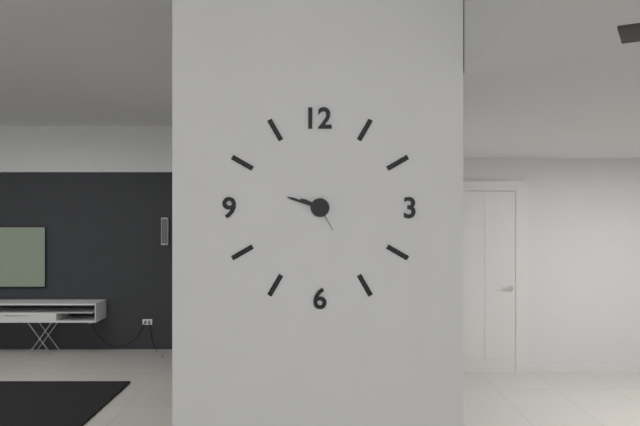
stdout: **9:48**
